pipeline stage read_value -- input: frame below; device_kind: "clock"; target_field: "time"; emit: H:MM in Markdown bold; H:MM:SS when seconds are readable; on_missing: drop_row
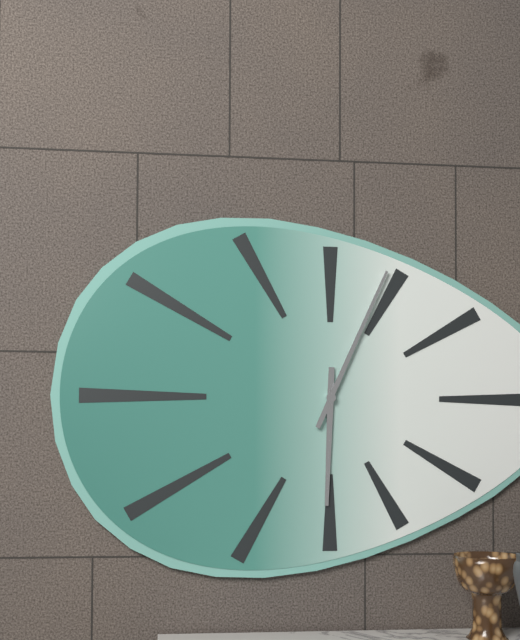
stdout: **6:04**
